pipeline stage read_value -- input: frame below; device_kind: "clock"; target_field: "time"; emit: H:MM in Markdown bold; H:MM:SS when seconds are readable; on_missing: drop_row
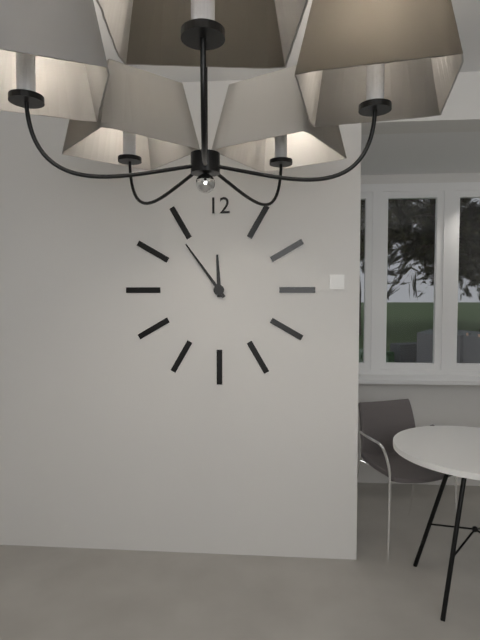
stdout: **11:54**
